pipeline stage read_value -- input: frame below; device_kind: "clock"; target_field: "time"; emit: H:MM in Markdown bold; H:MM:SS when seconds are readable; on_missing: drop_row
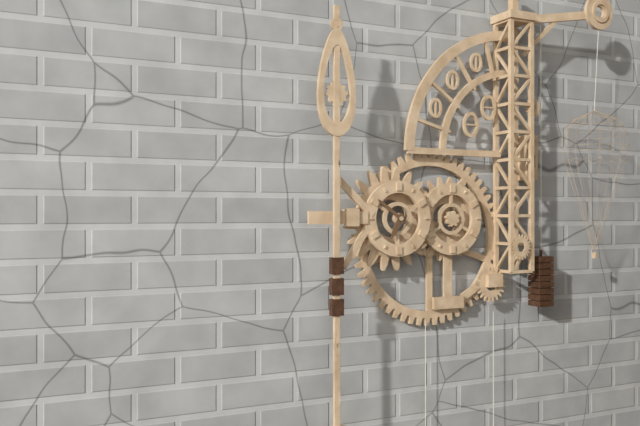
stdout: **6:51**
